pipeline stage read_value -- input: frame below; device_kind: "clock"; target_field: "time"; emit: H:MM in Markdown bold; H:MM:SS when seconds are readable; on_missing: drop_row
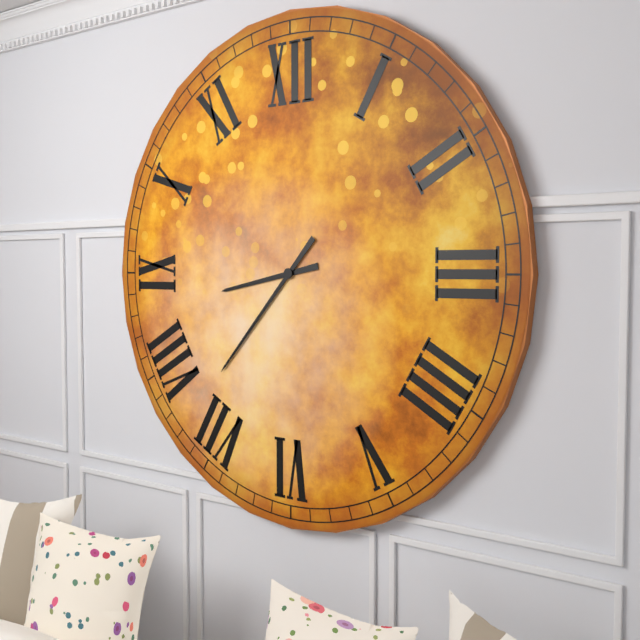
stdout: **8:37**
